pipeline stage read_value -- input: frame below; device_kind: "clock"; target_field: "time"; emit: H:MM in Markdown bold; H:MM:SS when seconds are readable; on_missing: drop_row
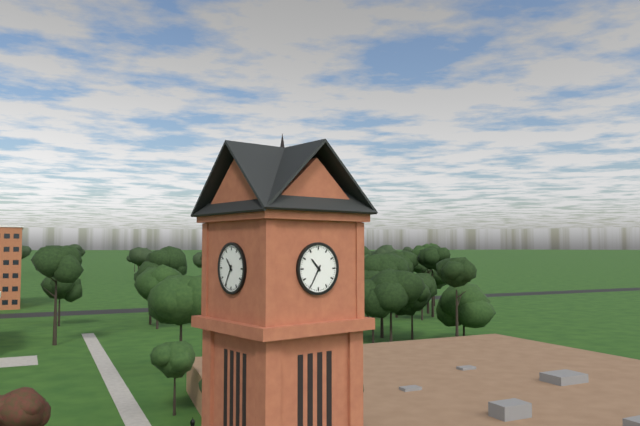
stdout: **10:35**
